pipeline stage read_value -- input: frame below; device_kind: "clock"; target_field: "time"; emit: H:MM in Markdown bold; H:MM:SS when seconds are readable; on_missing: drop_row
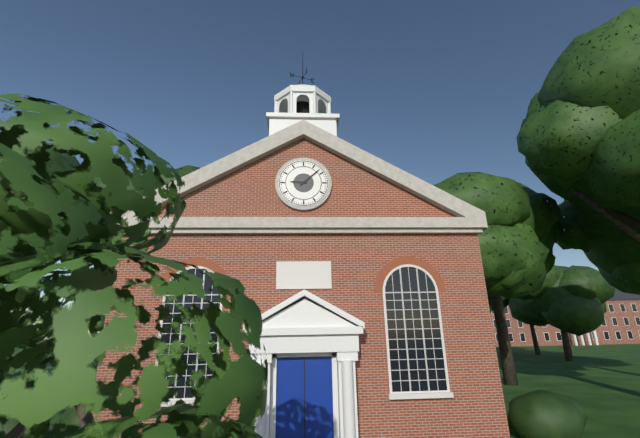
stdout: **9:08**
